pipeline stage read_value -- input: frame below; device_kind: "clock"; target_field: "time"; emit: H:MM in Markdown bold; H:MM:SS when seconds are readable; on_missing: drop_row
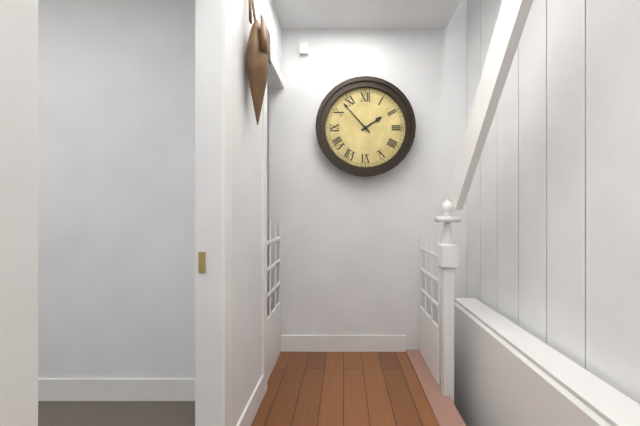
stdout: **1:53**
